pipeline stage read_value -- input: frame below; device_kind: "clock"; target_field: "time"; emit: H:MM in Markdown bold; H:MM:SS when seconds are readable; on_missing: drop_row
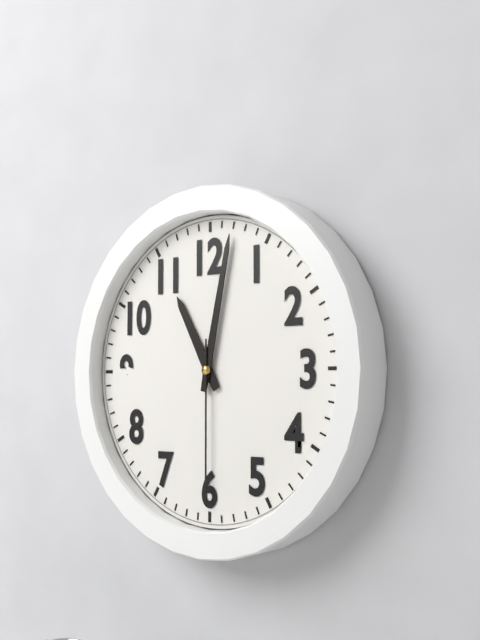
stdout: **11:02:30**
